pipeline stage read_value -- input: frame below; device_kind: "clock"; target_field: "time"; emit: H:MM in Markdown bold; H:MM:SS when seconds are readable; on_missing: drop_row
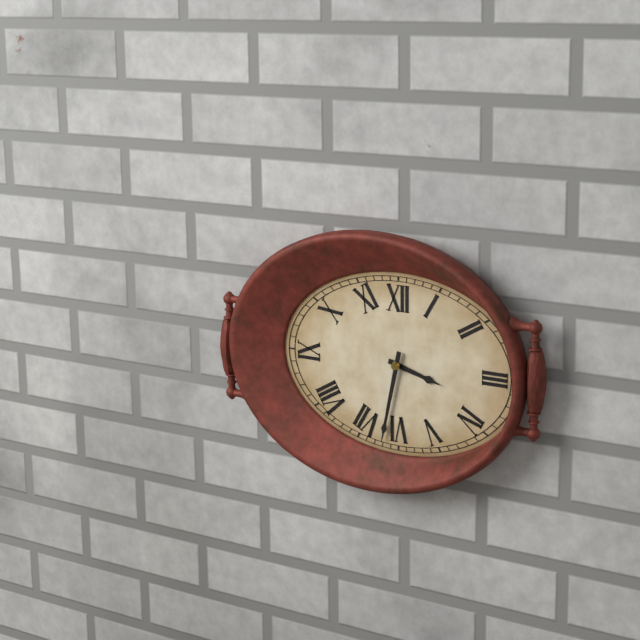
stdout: **3:32**
